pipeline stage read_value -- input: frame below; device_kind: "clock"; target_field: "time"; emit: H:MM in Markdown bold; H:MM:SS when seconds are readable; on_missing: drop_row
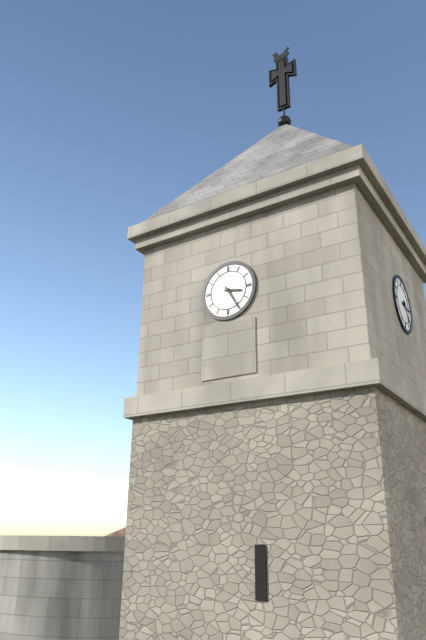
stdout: **3:25**
